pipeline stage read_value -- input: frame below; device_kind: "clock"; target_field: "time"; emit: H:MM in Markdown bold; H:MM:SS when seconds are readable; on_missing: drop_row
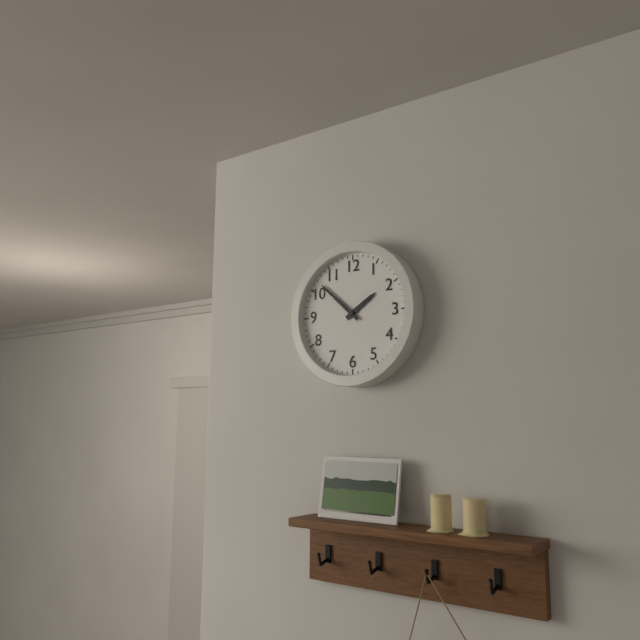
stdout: **1:52**
